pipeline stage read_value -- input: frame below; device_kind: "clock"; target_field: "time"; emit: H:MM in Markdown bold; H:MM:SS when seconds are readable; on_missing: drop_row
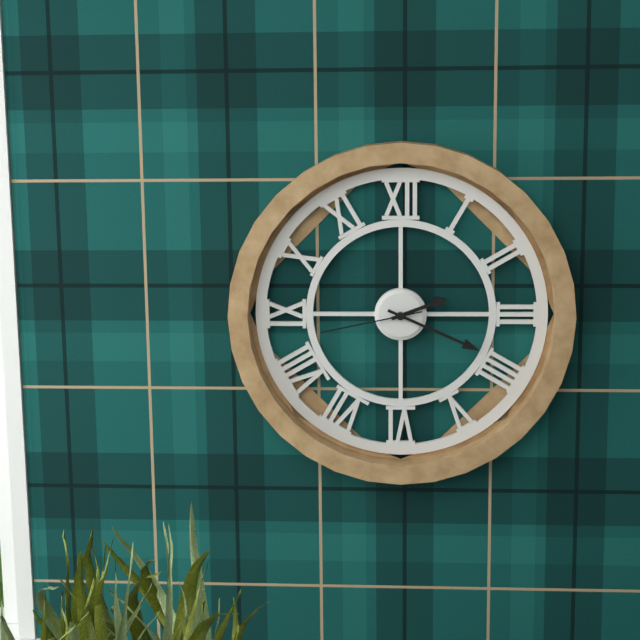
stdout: **2:19:43**
